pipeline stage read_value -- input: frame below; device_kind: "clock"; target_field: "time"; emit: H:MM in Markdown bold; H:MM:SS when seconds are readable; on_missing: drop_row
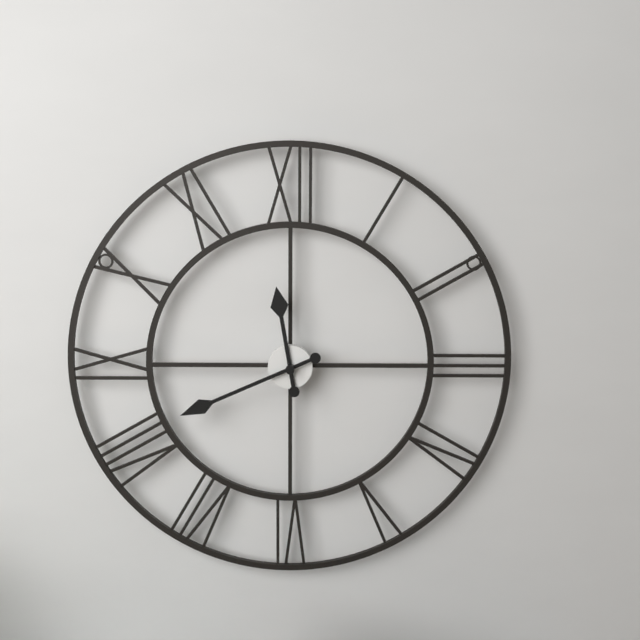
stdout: **11:41**
